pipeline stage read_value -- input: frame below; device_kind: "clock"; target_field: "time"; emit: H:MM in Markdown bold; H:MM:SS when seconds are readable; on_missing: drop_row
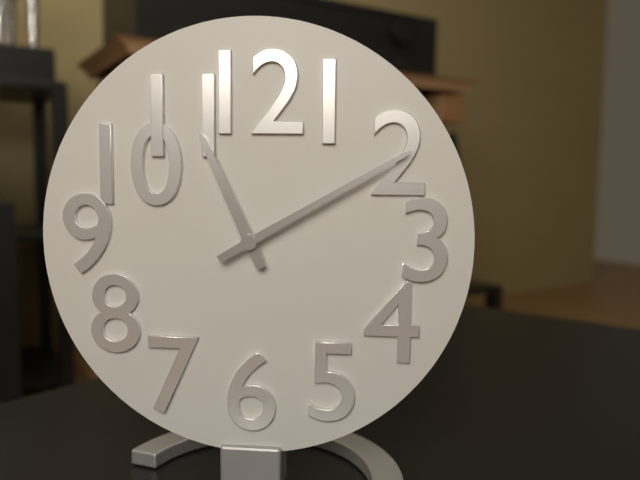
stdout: **11:10**
